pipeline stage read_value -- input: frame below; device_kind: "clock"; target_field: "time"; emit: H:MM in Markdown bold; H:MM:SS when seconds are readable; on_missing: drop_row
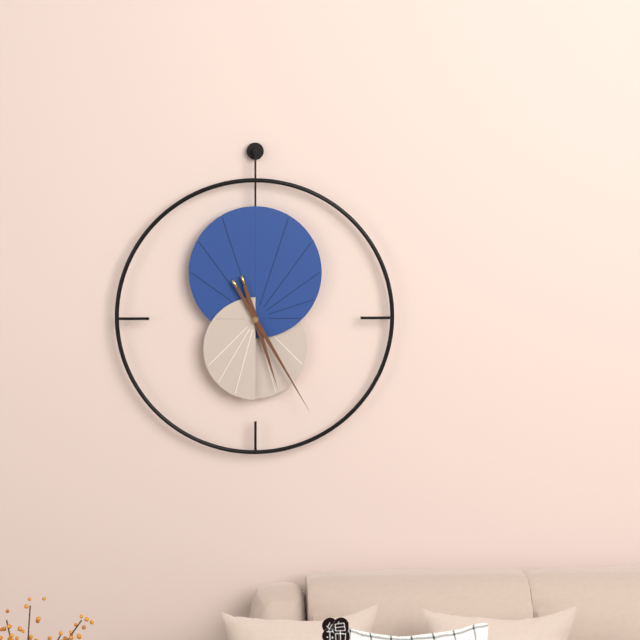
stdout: **5:25**
